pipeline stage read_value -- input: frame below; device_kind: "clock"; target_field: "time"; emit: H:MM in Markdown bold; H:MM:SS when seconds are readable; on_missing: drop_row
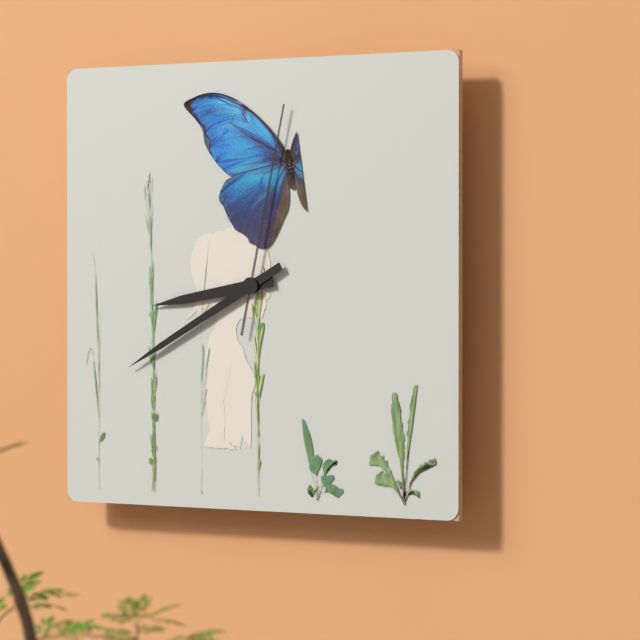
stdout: **8:40:02**
